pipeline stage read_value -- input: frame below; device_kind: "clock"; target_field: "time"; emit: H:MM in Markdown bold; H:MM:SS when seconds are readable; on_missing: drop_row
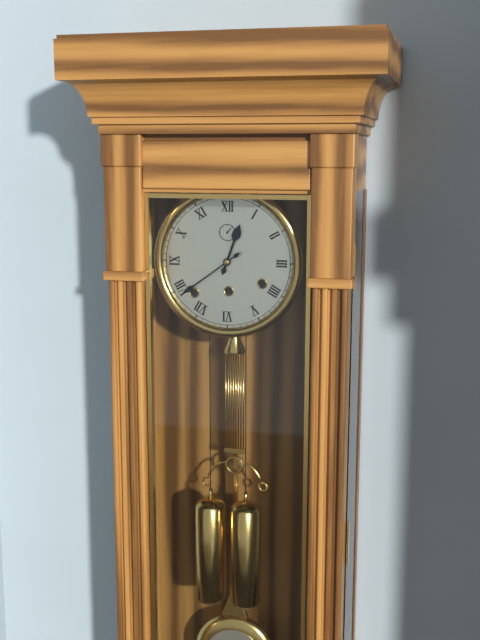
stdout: **12:39**
